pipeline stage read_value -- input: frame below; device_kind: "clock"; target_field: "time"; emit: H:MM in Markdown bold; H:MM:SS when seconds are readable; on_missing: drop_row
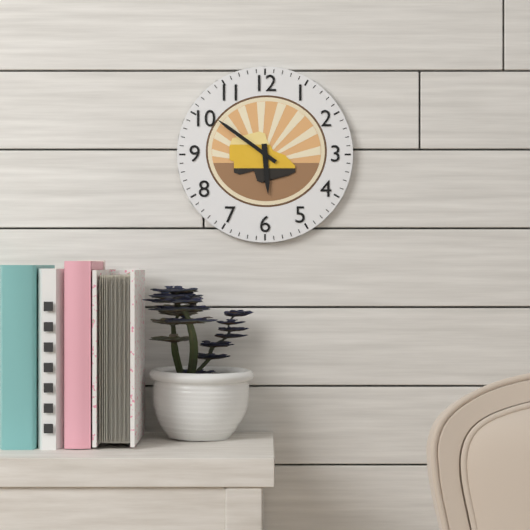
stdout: **5:51**
